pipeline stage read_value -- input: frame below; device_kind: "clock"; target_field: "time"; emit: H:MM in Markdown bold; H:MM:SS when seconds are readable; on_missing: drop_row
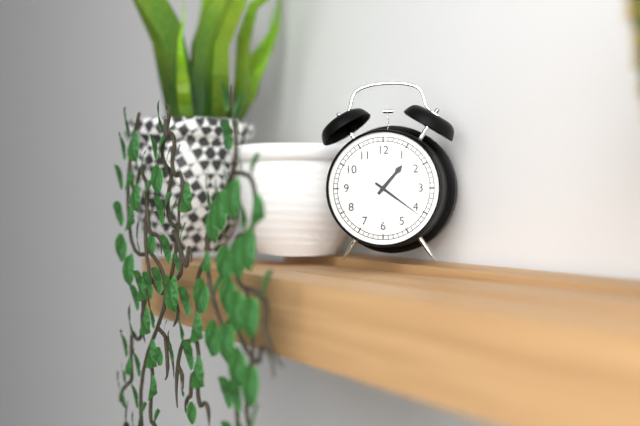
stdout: **1:21**
